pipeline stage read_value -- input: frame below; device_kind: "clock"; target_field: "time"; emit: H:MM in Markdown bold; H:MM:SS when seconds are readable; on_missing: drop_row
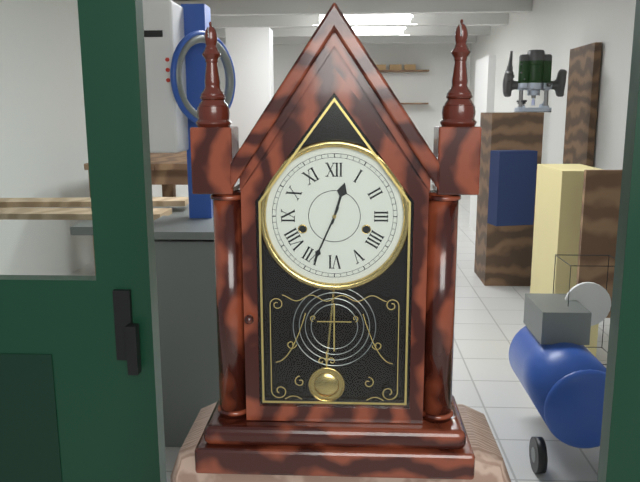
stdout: **12:34**
